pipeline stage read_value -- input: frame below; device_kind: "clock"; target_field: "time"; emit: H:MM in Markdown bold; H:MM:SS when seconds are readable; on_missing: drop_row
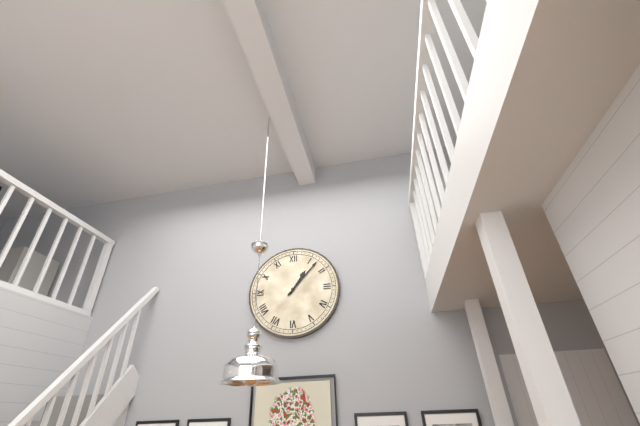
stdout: **1:07**
